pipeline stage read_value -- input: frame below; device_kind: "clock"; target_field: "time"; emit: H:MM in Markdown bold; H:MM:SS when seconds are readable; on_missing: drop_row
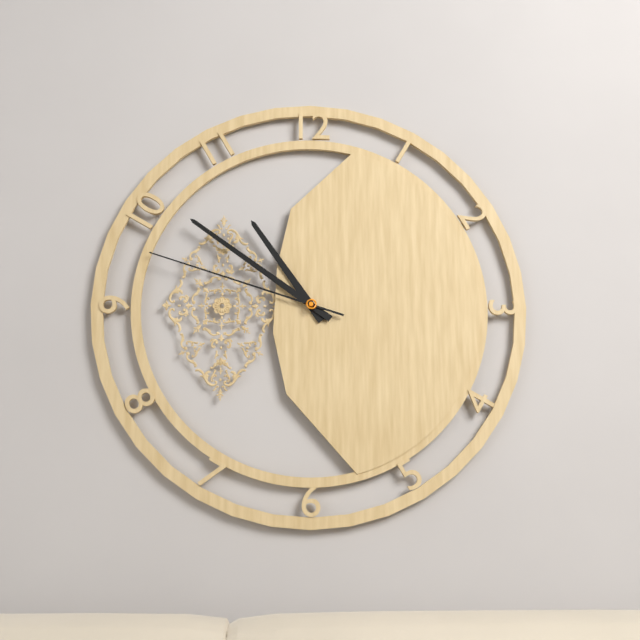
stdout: **10:51:48**
